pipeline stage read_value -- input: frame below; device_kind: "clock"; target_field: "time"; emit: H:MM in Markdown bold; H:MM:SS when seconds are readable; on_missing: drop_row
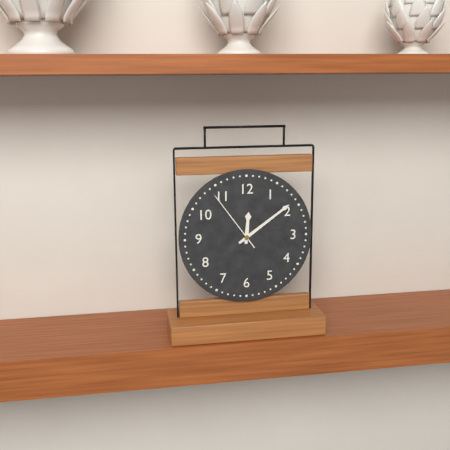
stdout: **12:09:54**
